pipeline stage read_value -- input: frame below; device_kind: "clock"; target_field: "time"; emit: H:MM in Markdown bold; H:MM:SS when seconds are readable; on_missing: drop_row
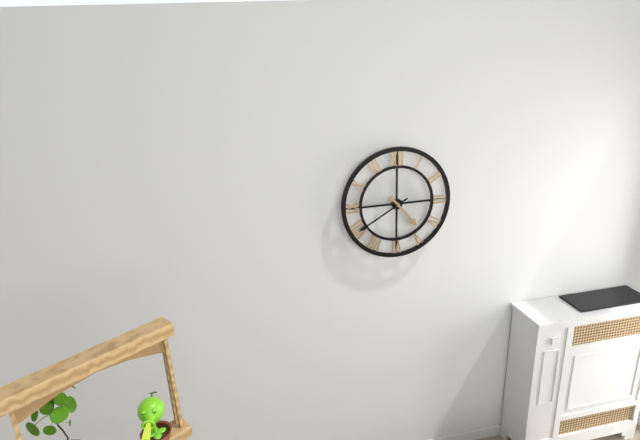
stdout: **4:40**
